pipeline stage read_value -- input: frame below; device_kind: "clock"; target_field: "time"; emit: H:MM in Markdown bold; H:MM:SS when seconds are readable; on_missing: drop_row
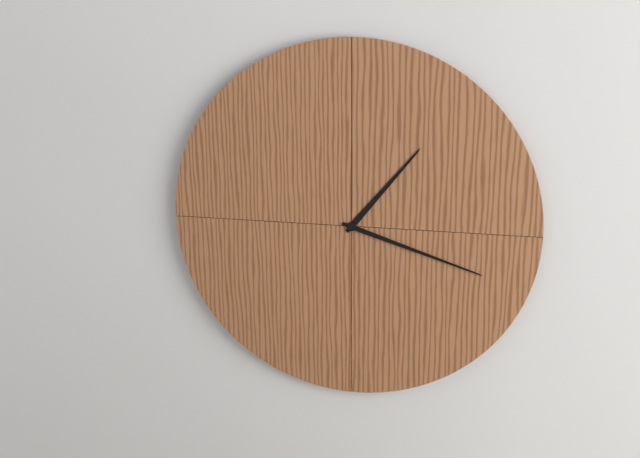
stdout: **1:18**
